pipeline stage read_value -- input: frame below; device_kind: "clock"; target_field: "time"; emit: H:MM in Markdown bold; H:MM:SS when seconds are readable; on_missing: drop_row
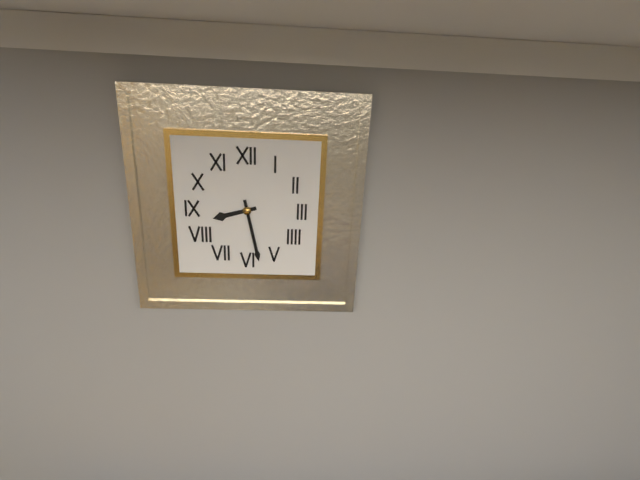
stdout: **8:28**
